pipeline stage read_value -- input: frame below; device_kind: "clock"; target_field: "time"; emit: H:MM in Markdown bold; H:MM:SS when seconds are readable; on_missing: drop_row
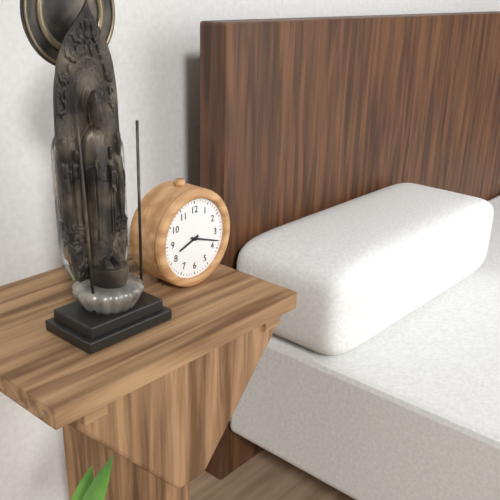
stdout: **8:18**
